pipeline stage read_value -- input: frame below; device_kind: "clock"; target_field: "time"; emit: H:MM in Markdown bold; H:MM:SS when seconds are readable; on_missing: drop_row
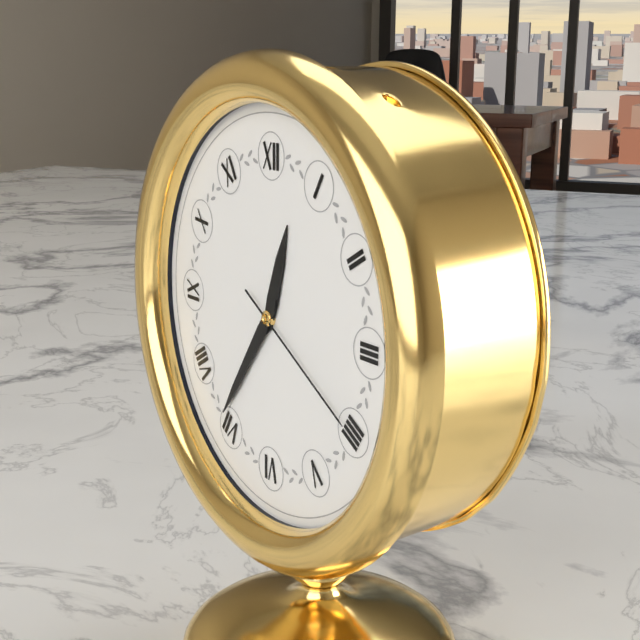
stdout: **12:36:20**
